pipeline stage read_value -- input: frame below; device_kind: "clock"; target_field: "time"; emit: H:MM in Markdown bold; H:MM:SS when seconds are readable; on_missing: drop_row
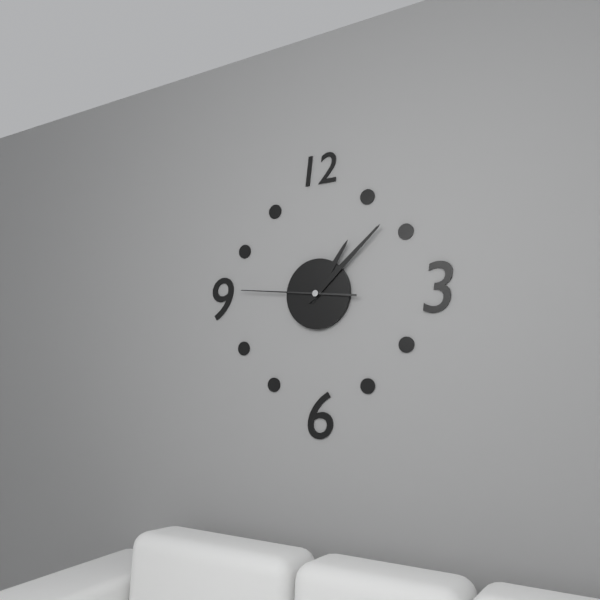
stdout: **1:08:46**
